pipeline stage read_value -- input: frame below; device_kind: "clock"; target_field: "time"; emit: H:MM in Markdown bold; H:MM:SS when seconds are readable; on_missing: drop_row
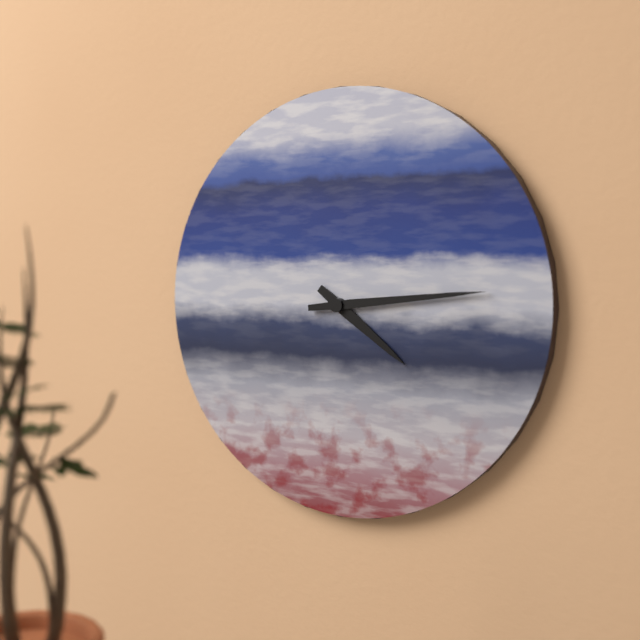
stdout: **4:14**
